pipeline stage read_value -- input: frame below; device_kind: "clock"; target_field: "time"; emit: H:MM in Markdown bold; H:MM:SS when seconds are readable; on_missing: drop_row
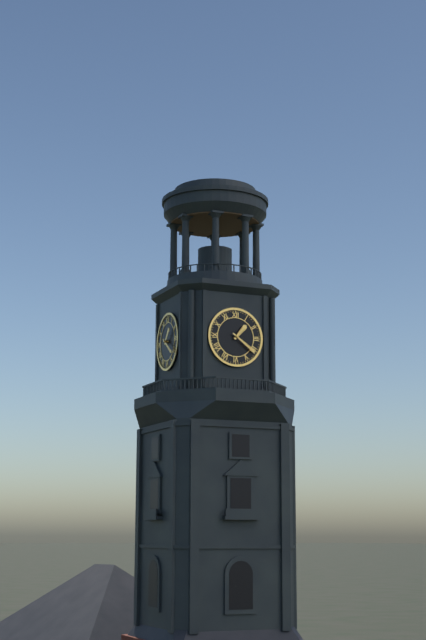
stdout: **1:21**
